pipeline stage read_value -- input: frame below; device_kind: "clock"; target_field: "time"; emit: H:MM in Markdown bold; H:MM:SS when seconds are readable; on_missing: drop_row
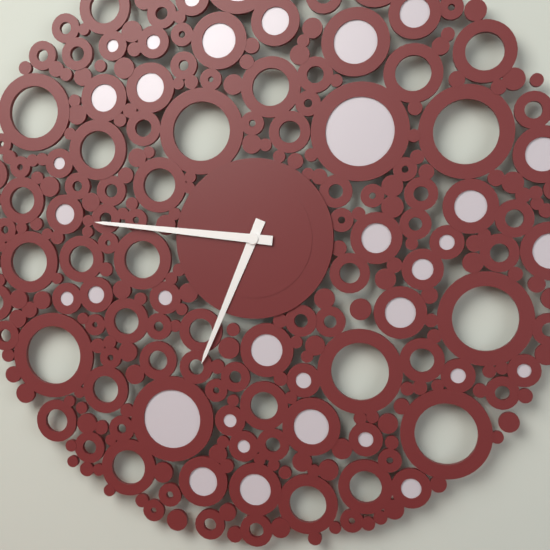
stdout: **6:46**
